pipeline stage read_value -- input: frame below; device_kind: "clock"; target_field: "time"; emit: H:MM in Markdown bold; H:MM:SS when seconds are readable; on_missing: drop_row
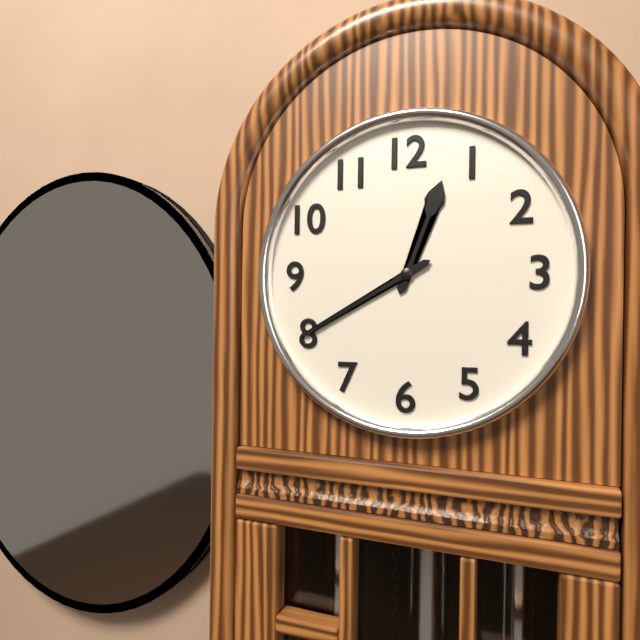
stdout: **12:40**
